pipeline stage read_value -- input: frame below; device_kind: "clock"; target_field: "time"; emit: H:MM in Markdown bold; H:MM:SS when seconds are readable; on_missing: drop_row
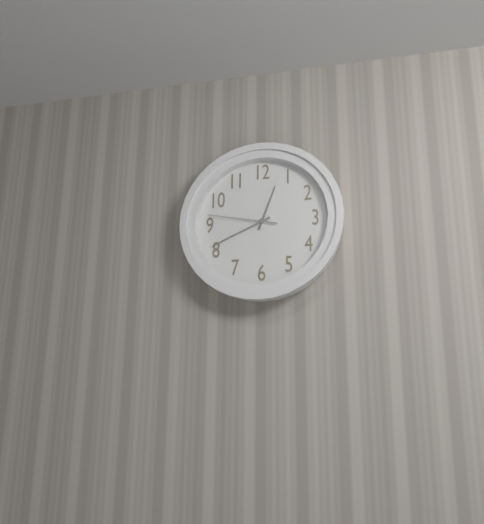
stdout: **12:41:47**
